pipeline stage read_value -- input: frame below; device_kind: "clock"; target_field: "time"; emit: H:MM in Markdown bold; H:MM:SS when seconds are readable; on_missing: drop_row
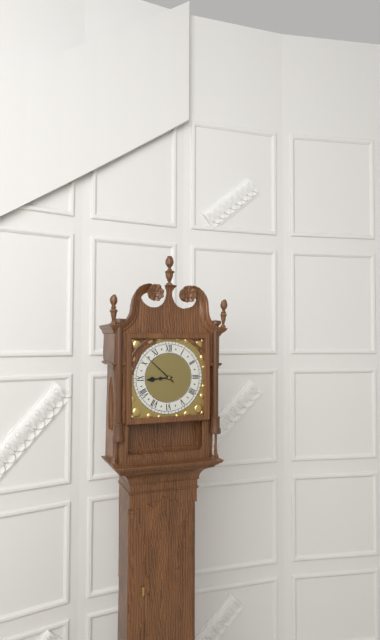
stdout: **8:52**
